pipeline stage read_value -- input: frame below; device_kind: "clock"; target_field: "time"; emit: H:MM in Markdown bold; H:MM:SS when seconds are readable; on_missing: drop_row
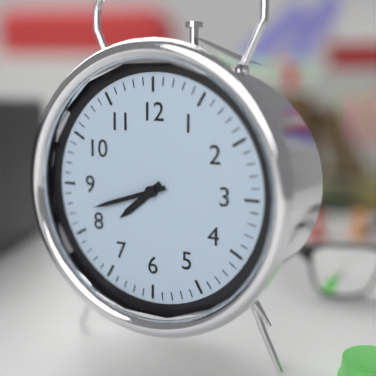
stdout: **7:42**
